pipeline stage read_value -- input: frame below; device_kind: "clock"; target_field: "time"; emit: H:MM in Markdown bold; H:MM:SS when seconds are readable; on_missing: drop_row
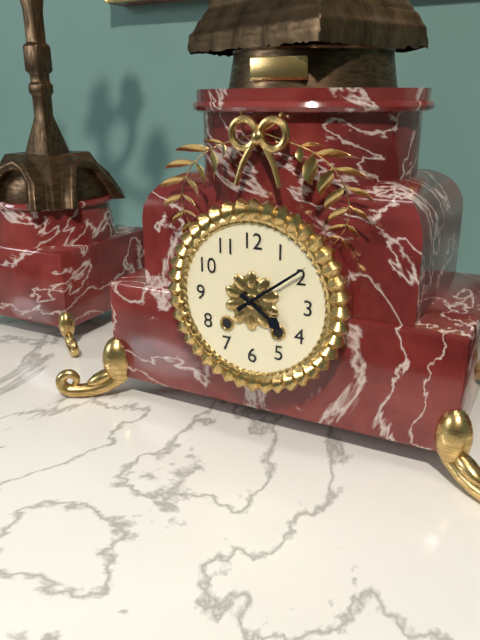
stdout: **4:09**
